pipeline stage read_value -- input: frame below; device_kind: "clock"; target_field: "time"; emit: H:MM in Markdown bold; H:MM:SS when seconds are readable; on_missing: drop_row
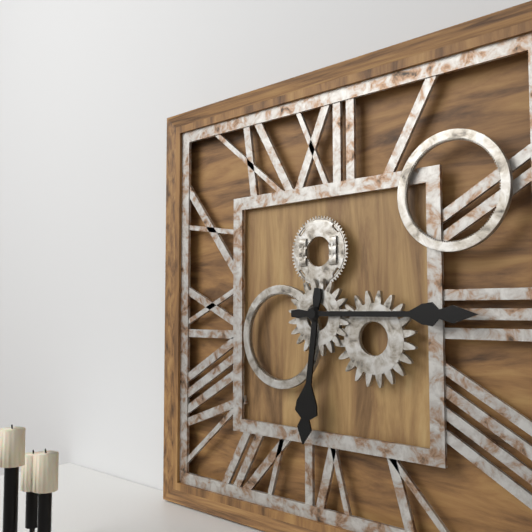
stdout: **6:15**
